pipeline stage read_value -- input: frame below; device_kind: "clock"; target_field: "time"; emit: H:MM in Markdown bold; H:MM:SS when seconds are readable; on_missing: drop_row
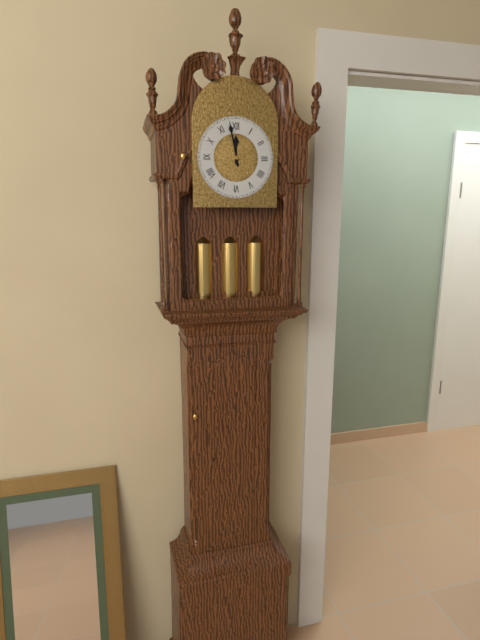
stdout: **11:58**
